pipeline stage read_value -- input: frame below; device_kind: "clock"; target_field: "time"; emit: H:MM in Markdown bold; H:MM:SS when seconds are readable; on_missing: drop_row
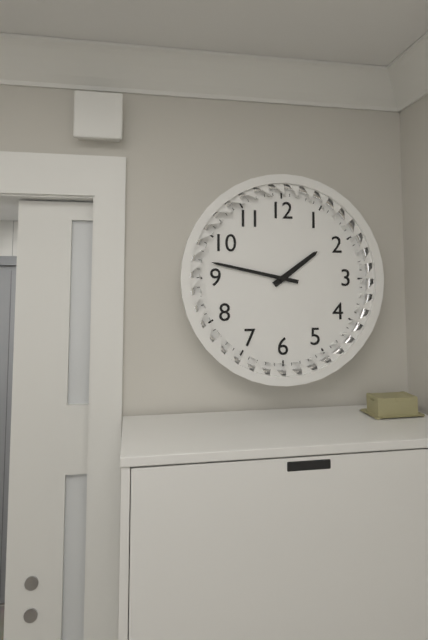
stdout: **1:47**
